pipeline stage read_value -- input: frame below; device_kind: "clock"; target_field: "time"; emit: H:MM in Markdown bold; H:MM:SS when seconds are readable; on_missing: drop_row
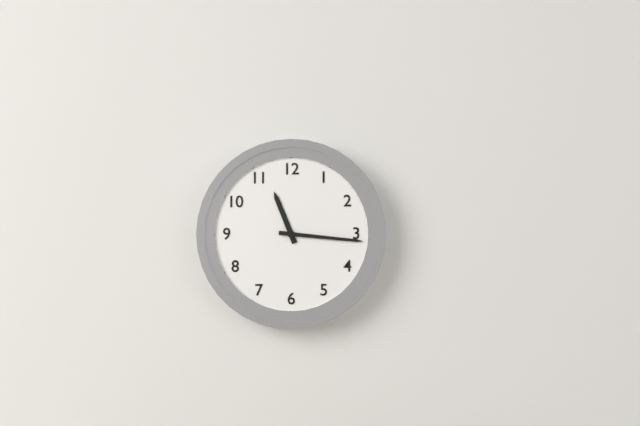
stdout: **11:16**
